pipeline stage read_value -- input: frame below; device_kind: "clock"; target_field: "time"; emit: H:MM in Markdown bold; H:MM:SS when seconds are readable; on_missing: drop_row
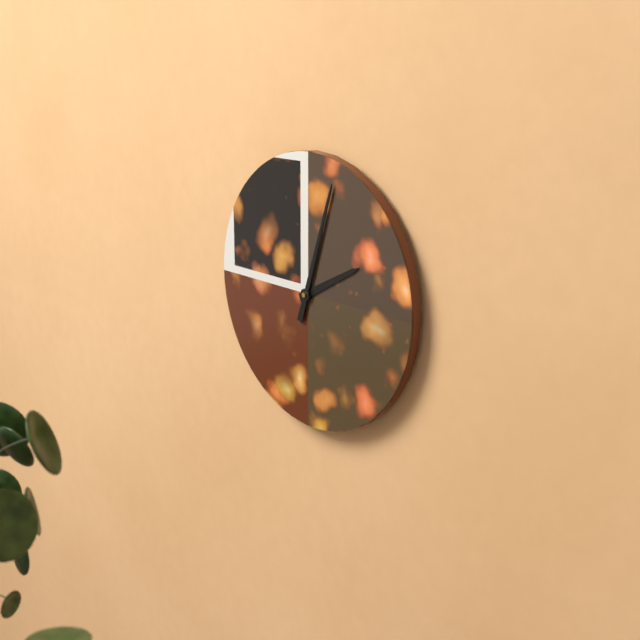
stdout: **2:03**
